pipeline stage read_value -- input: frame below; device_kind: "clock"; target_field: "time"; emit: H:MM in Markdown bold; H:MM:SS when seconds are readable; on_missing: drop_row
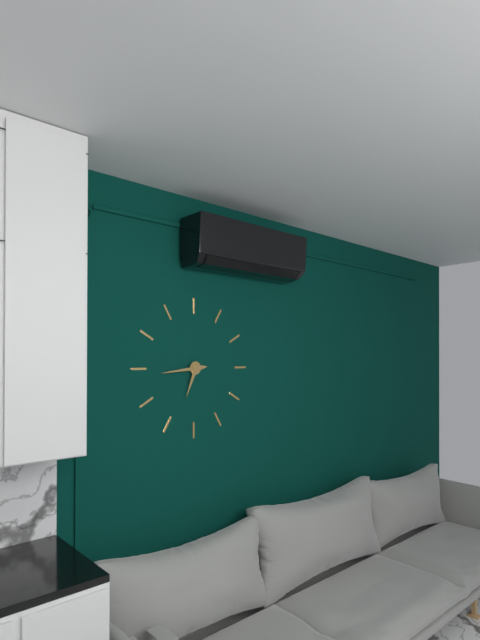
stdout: **6:44**
